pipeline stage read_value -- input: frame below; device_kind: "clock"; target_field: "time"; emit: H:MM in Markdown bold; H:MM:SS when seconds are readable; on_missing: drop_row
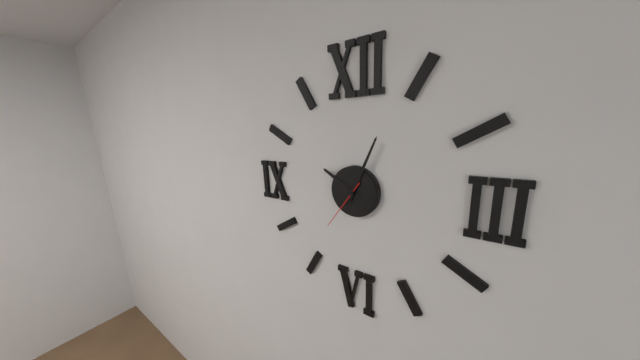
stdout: **10:04:36**
